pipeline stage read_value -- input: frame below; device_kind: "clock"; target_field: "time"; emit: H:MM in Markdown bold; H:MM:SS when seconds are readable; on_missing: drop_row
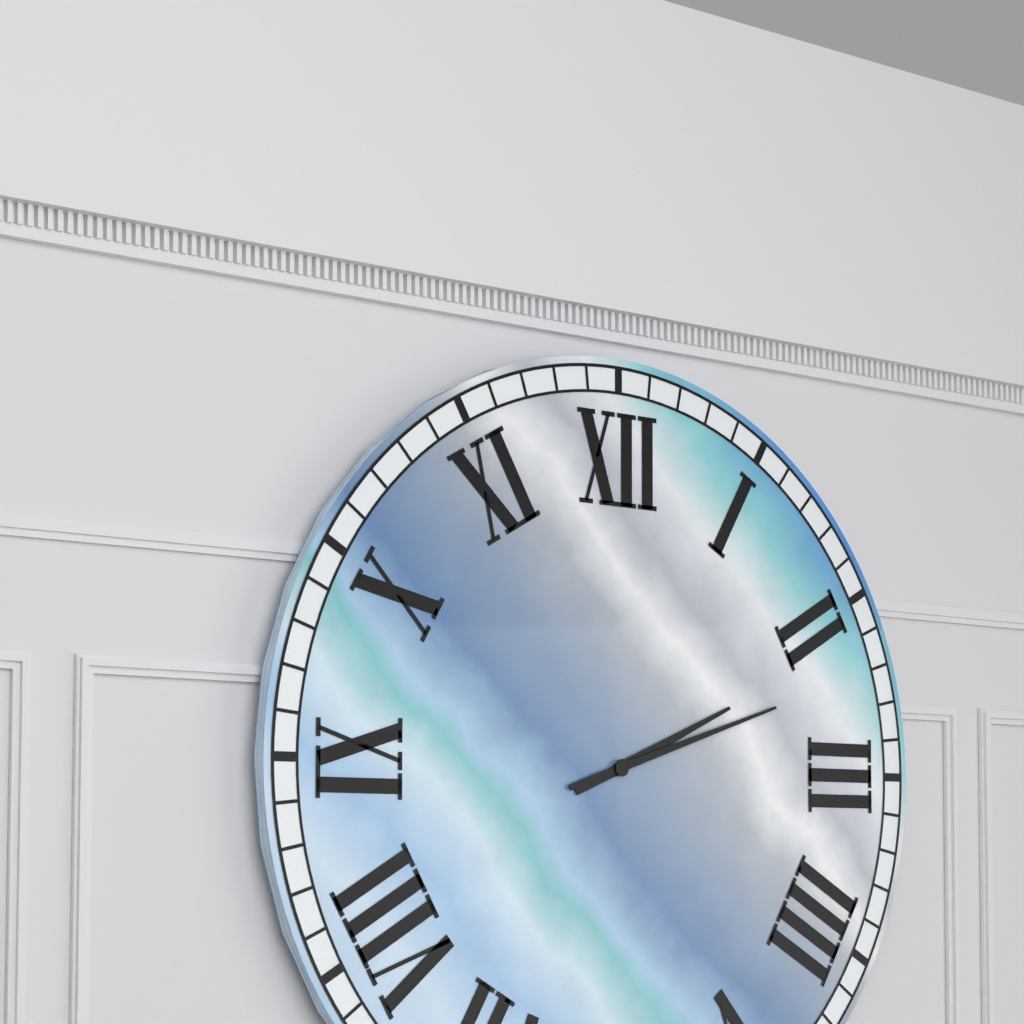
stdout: **2:12**
